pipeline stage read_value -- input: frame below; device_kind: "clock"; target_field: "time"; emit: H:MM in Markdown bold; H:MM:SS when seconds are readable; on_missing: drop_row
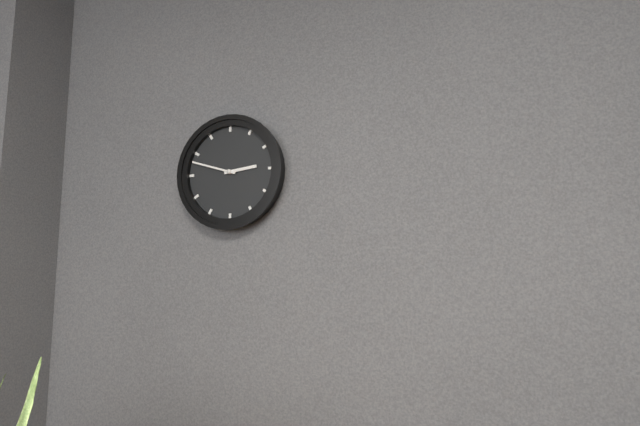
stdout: **2:48**
